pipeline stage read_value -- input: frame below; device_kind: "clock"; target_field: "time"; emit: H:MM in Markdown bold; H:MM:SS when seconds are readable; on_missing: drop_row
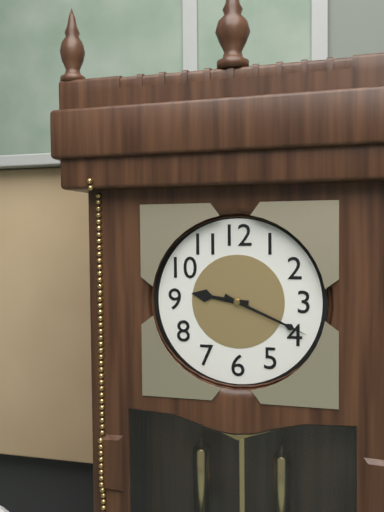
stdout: **9:19**
